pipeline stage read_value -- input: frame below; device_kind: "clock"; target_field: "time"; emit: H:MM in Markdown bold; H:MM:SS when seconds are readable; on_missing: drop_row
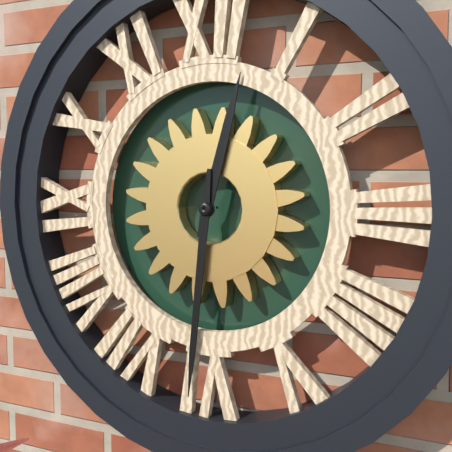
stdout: **12:31**
